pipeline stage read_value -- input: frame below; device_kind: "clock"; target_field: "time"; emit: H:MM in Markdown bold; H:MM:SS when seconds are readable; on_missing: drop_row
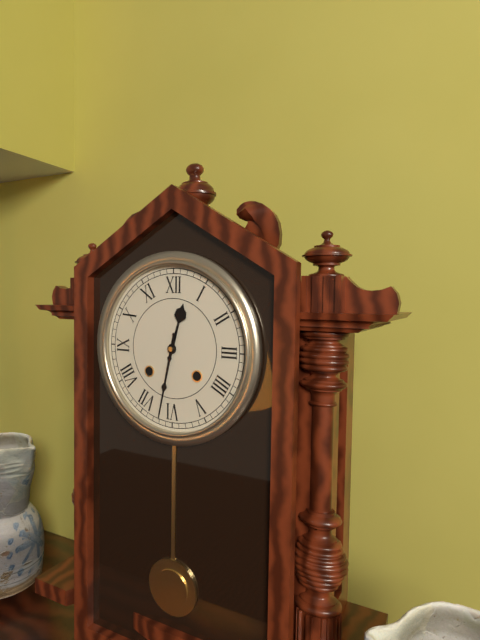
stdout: **12:32**
